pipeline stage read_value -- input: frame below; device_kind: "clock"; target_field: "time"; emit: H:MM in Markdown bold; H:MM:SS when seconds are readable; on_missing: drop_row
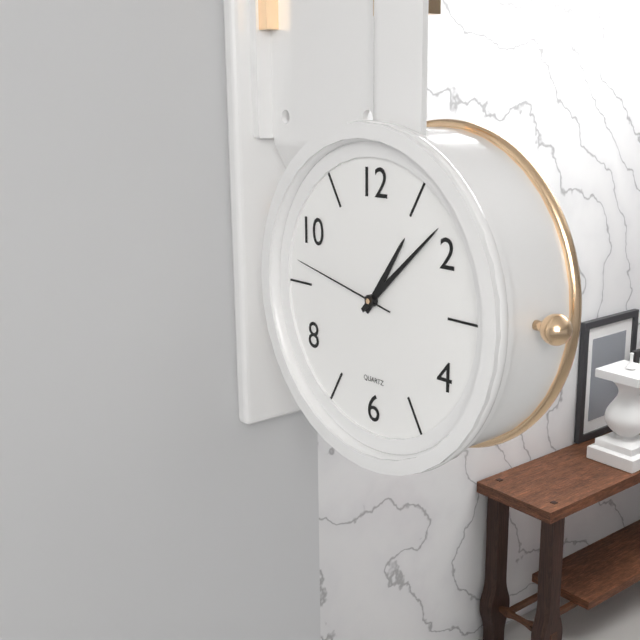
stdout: **1:08:47**
